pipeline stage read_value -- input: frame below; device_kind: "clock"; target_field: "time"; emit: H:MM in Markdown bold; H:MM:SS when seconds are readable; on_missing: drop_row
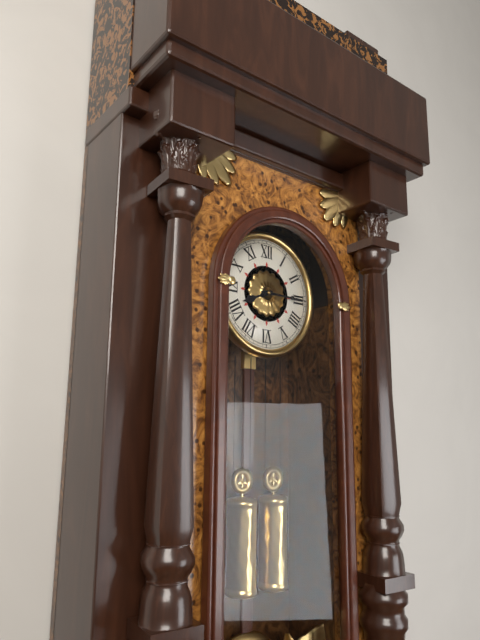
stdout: **8:15**
